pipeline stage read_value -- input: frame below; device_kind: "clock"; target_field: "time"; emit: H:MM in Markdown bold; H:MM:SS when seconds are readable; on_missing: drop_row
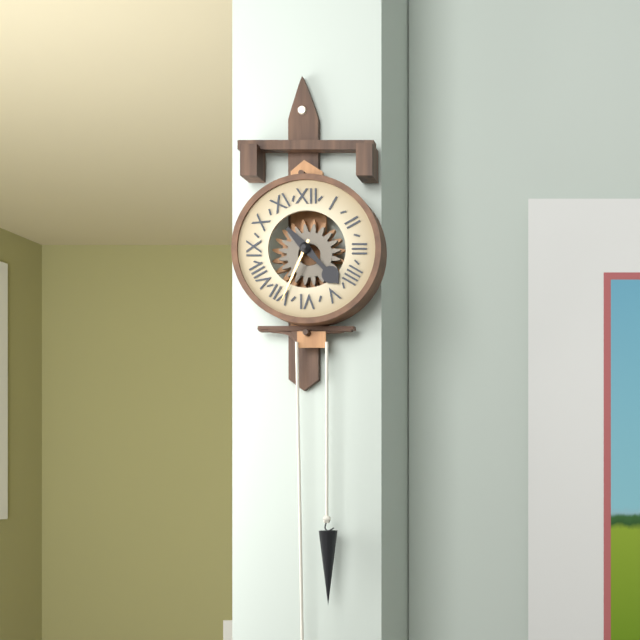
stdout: **4:34**
